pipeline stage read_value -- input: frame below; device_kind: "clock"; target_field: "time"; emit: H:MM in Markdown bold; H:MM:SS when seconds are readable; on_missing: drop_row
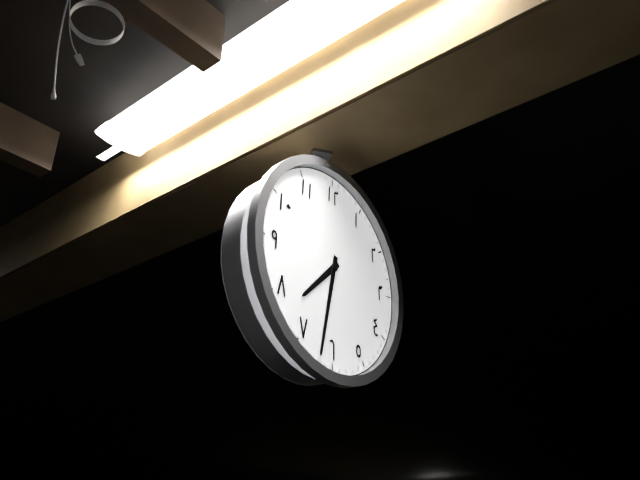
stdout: **7:32**
